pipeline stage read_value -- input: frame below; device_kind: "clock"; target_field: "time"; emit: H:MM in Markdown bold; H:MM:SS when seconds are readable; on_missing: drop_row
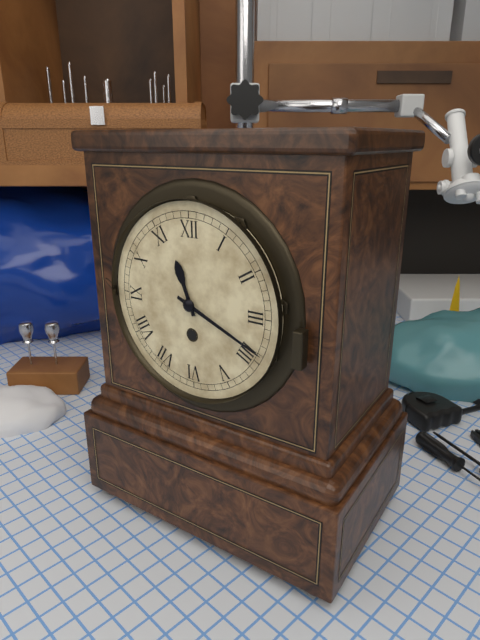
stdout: **11:19**
